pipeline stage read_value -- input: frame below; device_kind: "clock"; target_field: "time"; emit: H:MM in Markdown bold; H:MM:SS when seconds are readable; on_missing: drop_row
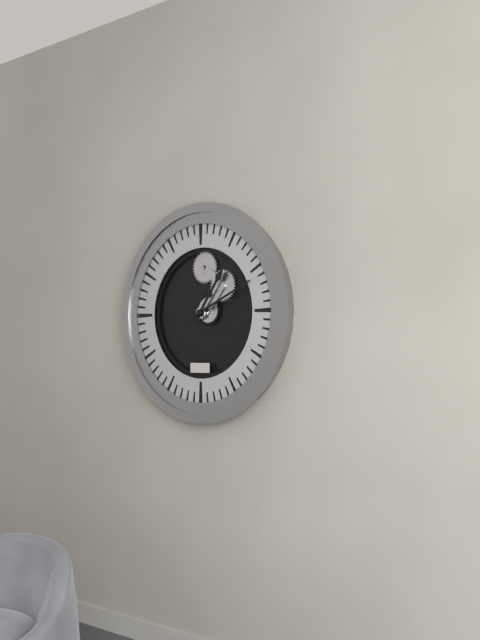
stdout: **1:11**
